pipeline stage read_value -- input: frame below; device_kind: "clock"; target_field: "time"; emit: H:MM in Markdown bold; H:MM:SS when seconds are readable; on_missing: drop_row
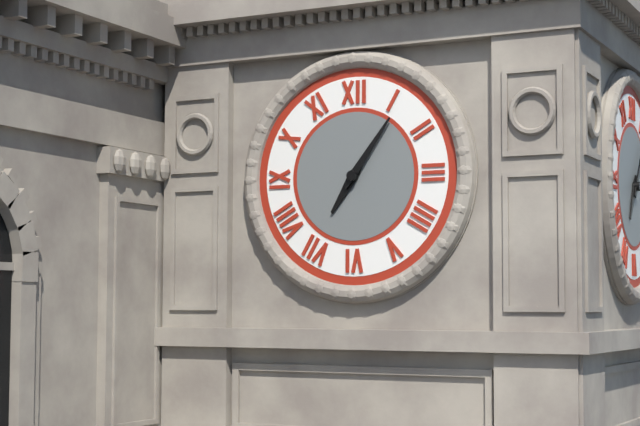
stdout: **7:06**
